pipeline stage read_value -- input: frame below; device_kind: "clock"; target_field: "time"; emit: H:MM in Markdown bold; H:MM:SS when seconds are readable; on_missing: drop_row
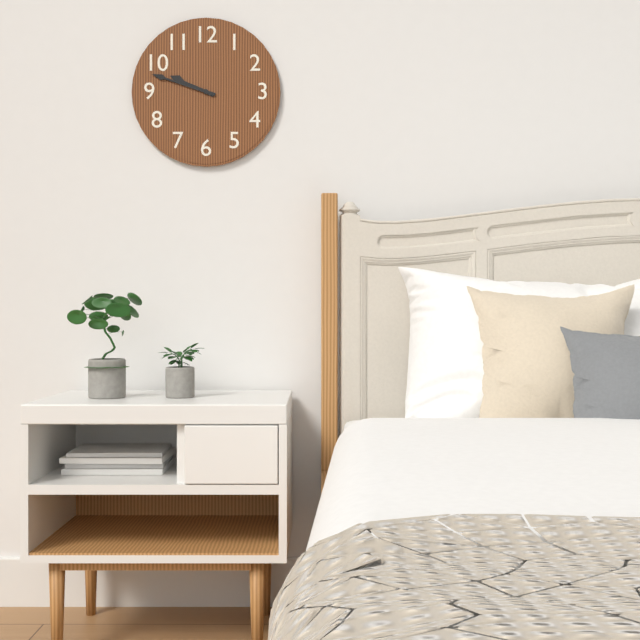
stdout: **9:48**
